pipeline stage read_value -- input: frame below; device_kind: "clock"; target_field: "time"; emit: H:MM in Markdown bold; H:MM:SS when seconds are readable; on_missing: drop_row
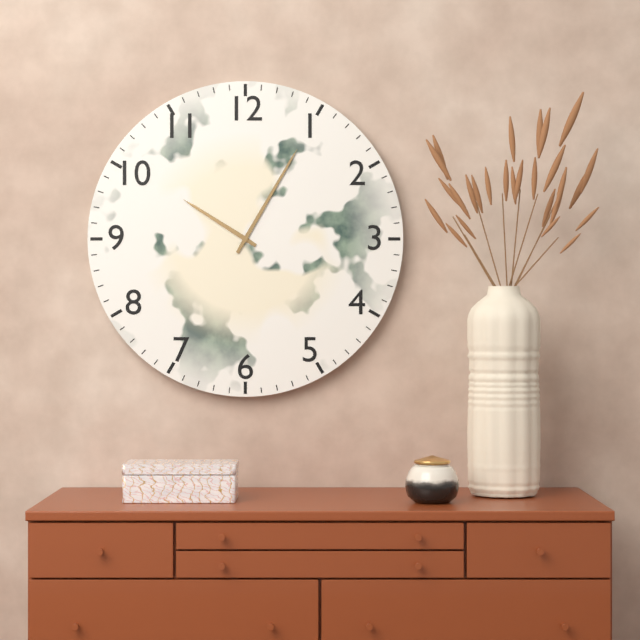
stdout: **10:05**
